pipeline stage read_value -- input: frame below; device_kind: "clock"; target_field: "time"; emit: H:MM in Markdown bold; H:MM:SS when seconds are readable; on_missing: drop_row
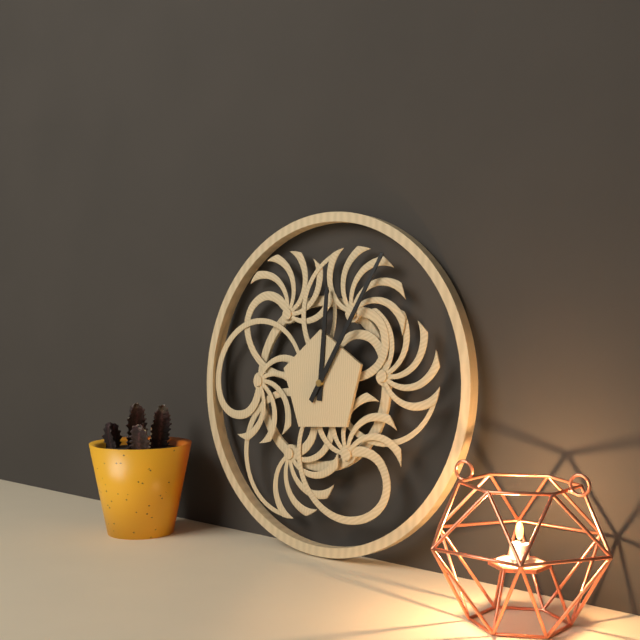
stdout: **12:05**
